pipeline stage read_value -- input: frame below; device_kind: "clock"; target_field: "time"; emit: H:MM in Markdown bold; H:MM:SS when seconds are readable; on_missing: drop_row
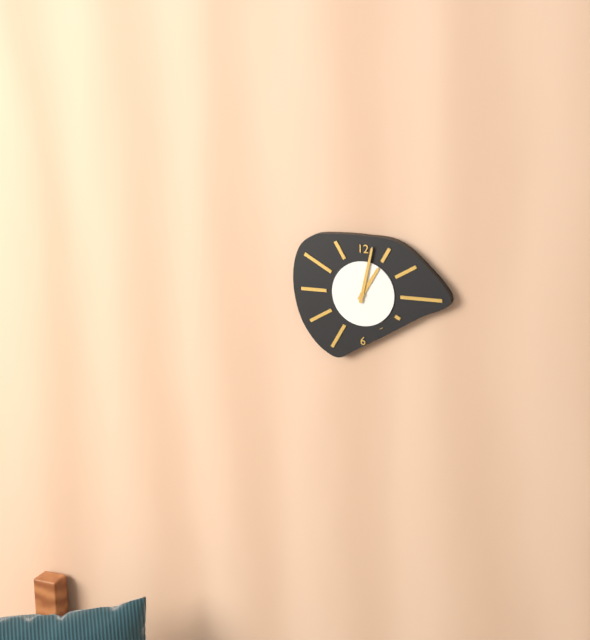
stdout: **1:02**
